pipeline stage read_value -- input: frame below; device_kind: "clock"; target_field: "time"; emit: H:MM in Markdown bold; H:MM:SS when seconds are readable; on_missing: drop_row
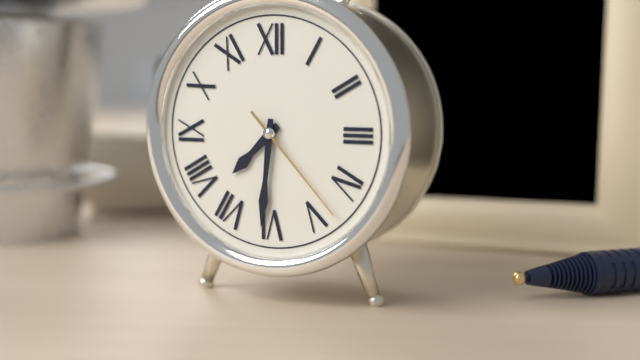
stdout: **7:31:23**
